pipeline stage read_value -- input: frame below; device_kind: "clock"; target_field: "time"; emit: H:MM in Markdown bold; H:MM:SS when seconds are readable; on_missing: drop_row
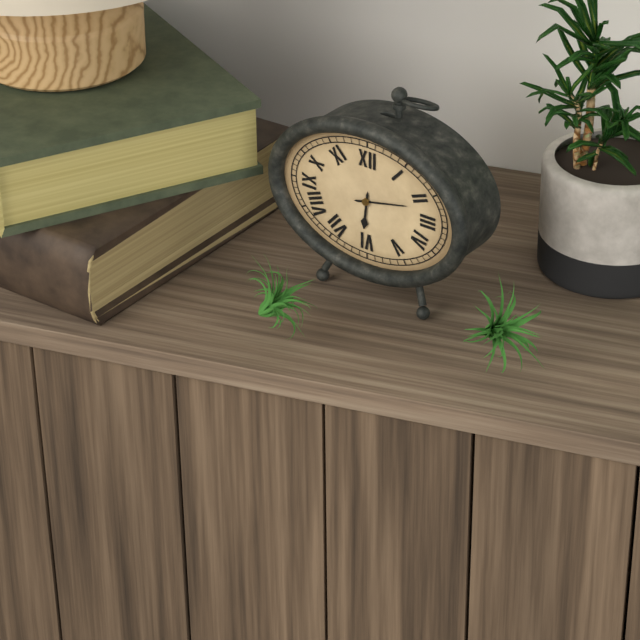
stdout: **6:13**
